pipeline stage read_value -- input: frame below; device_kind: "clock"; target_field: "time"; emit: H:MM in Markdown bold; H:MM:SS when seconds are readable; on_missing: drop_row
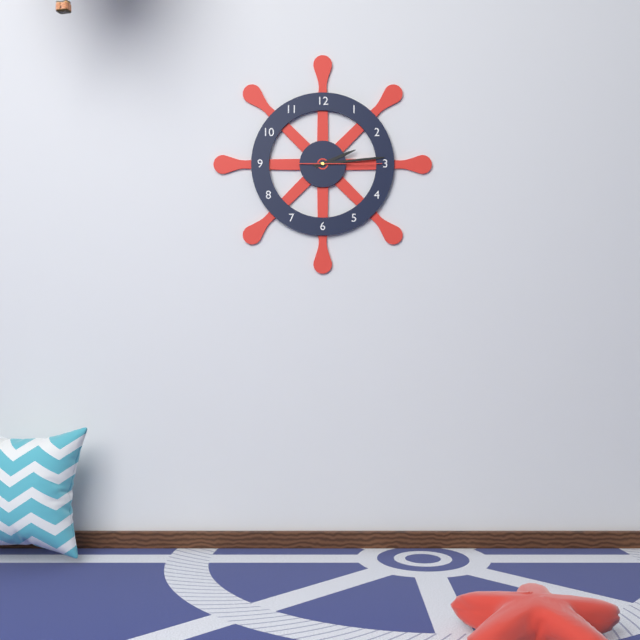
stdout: **2:14:15**
